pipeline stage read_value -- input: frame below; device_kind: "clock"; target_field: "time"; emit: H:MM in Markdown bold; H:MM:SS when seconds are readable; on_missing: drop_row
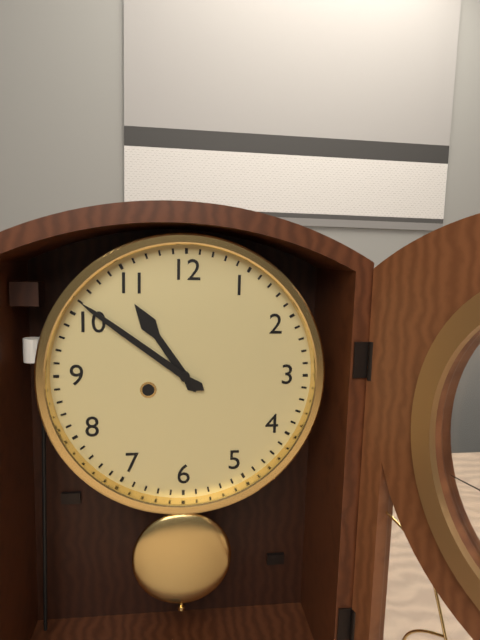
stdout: **10:51**
